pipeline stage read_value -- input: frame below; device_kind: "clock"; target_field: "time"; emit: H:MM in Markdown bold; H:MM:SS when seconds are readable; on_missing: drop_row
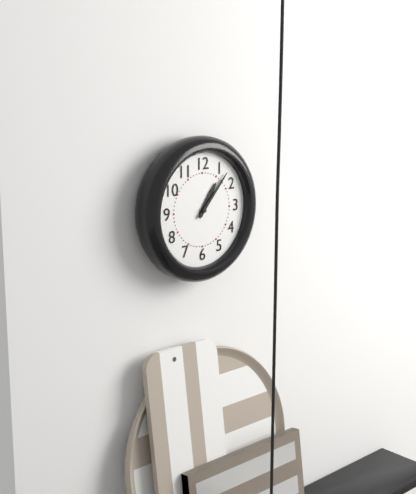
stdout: **1:07**
